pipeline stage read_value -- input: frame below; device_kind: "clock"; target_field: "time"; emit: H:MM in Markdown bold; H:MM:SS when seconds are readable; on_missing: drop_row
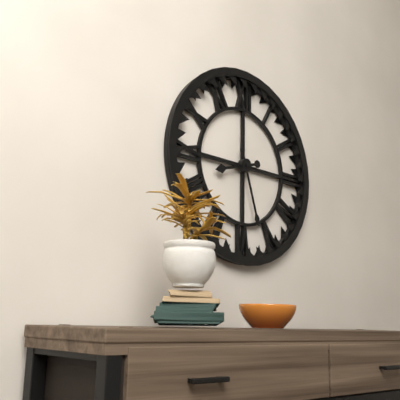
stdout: **8:27**
